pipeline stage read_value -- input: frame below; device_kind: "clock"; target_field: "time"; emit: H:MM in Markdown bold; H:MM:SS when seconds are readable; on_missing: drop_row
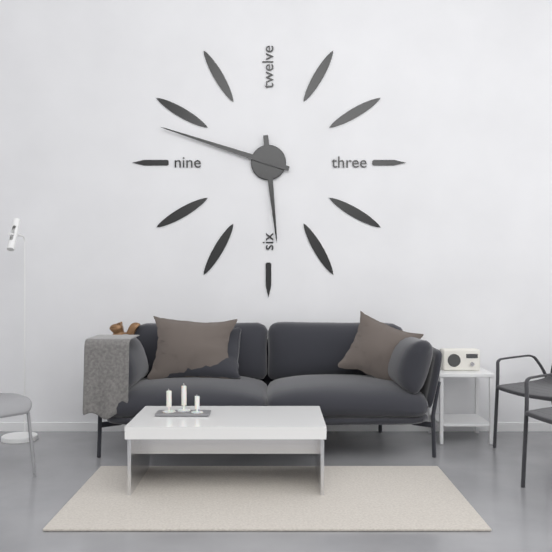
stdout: **5:48**
